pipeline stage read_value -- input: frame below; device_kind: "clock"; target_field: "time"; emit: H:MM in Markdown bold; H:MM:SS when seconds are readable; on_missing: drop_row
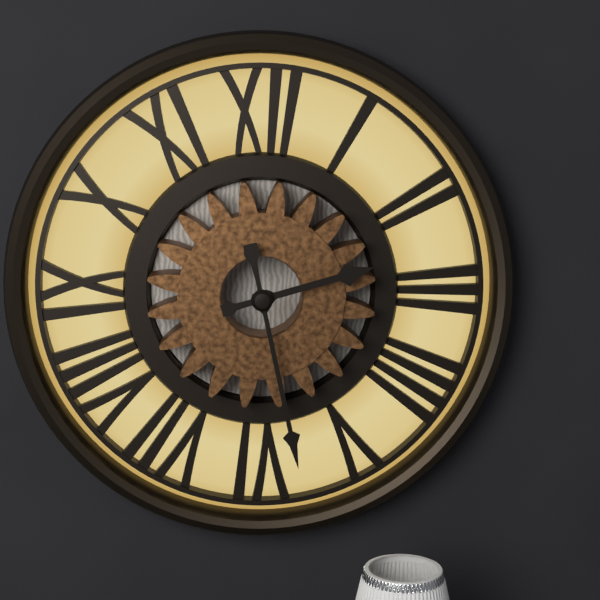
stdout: **2:28**
